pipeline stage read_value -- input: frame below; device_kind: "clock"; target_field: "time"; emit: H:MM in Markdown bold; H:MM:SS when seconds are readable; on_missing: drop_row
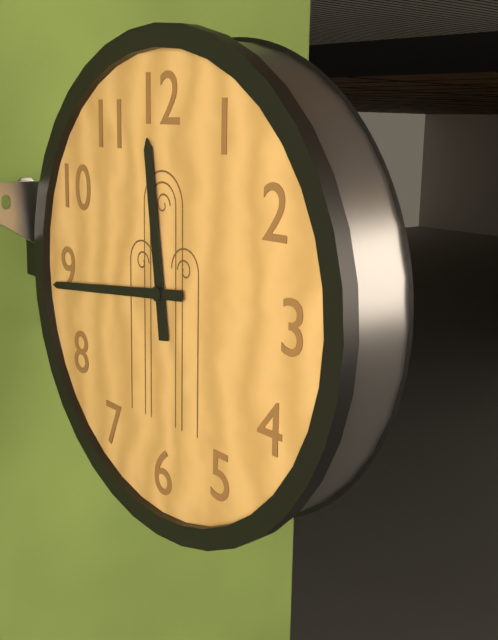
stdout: **11:44**
